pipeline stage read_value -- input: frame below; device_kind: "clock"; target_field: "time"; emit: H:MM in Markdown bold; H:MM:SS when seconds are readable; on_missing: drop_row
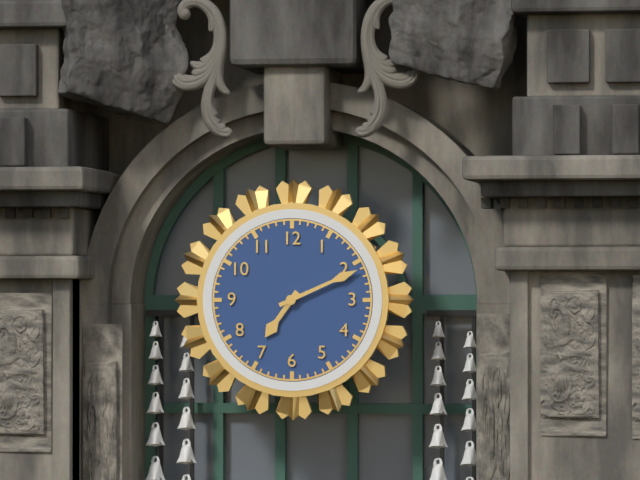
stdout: **7:11**
